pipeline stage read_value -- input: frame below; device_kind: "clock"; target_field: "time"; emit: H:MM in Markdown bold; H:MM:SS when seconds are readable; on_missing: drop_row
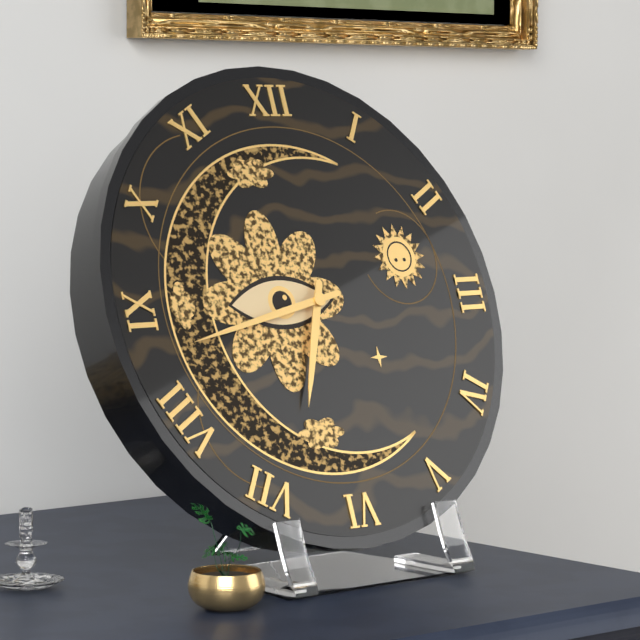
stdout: **6:43**
